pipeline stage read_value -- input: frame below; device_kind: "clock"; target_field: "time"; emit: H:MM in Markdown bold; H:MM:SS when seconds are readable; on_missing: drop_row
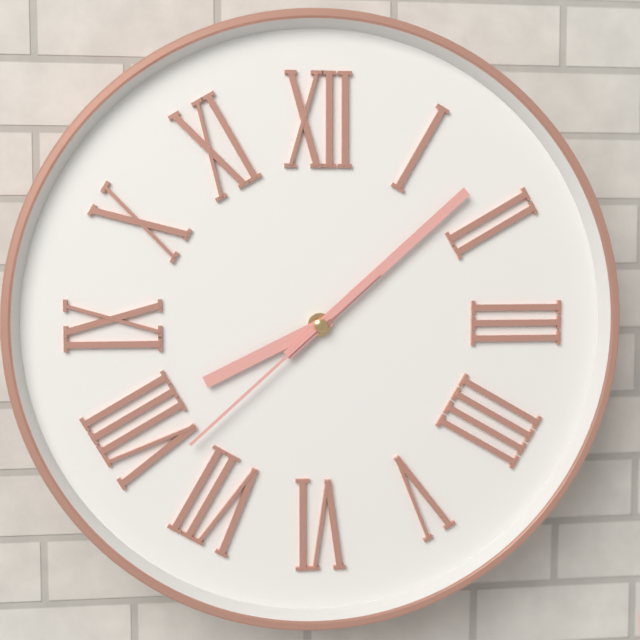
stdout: **8:08:38**
